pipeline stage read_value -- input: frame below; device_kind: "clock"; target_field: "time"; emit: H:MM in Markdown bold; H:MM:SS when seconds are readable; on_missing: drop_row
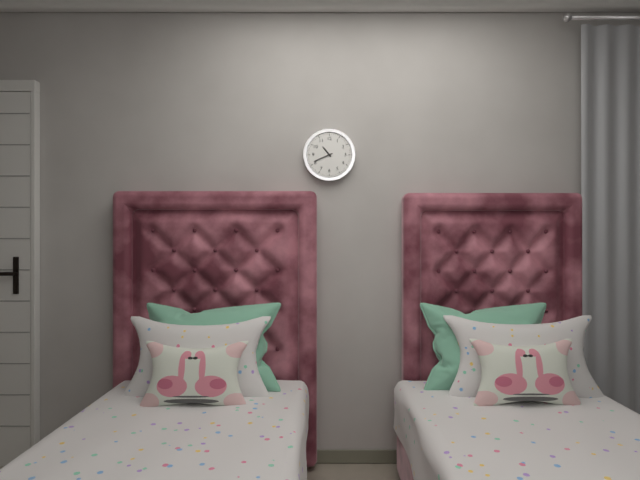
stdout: **10:41**
